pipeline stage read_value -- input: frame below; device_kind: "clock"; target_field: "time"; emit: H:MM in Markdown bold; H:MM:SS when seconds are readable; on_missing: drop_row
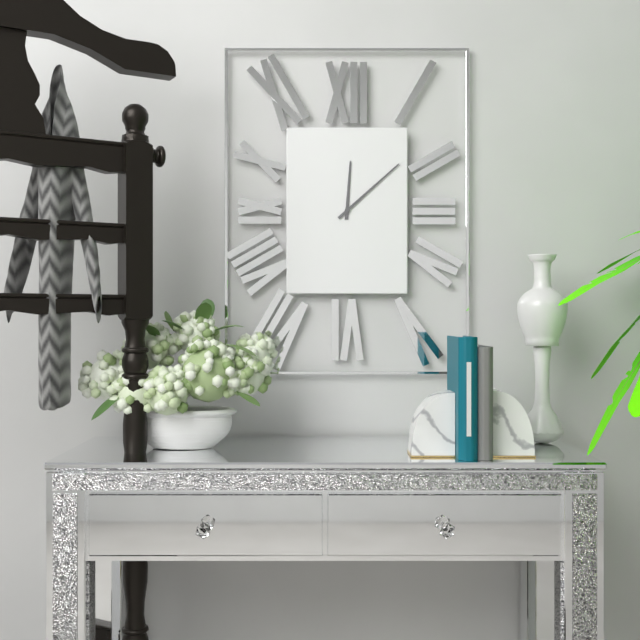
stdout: **12:08**
